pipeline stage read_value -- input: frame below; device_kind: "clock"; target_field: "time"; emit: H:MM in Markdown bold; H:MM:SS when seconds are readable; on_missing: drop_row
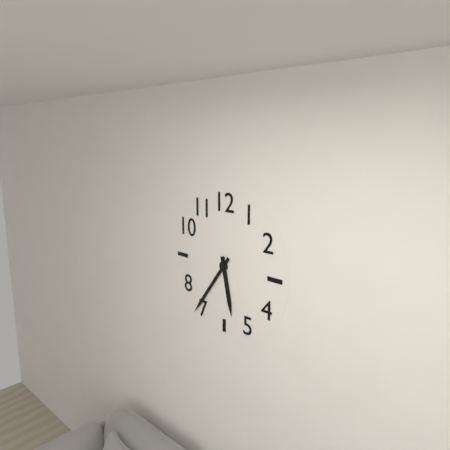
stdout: **5:36**
